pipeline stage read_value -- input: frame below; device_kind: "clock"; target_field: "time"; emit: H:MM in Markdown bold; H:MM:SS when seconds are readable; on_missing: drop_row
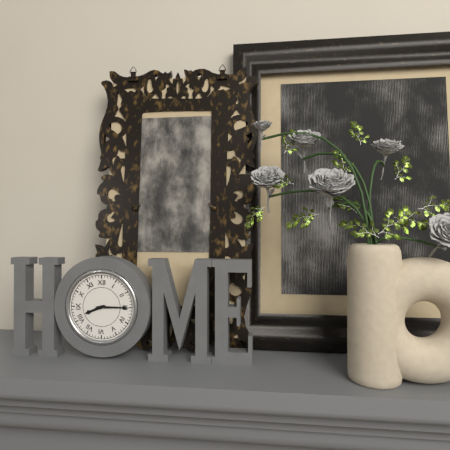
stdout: **8:15**
